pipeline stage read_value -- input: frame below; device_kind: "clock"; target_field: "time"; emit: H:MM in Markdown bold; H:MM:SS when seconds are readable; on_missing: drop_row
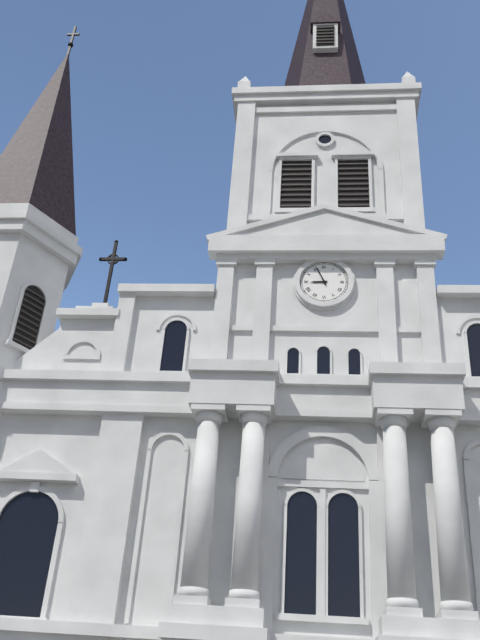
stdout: **8:56**
